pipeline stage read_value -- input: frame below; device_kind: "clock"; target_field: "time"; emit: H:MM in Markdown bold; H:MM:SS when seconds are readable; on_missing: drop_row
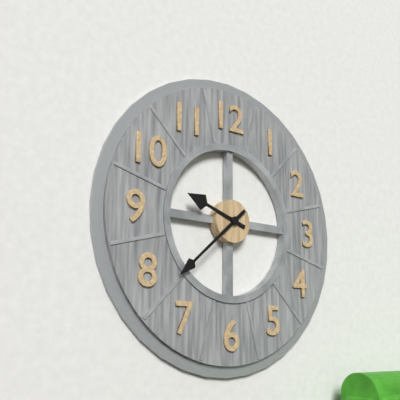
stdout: **9:38**
